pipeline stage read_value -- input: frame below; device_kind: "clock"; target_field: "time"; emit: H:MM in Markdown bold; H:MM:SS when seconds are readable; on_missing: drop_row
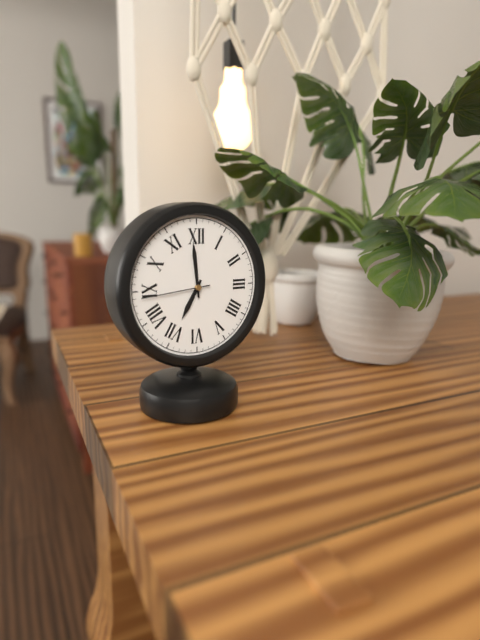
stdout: **6:59:44**
